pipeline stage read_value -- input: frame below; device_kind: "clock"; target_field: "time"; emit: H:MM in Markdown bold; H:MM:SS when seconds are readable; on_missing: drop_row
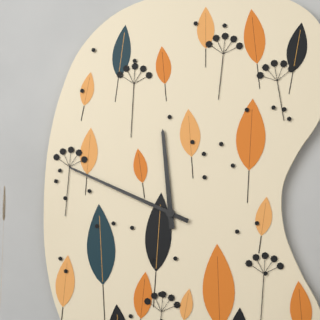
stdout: **11:49**
